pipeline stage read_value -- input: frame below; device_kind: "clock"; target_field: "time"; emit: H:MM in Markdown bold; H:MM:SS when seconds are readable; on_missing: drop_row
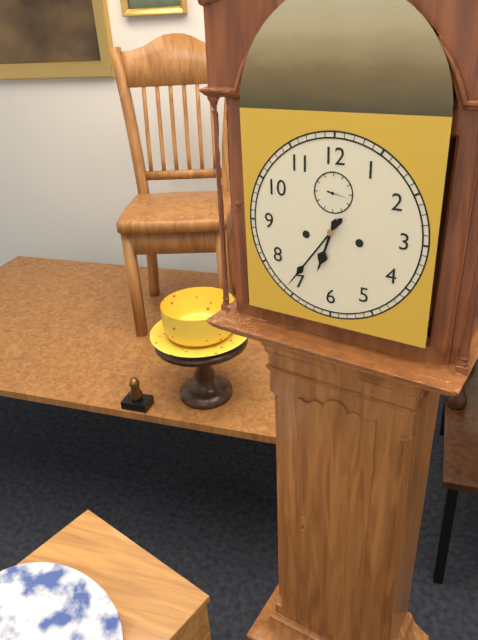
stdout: **6:36**
